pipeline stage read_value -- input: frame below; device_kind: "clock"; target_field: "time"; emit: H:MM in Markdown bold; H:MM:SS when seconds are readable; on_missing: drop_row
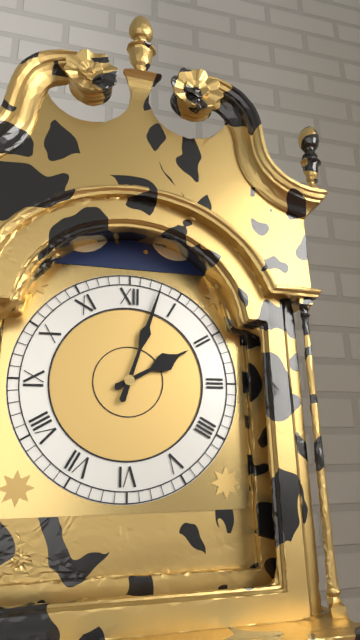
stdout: **2:03**
